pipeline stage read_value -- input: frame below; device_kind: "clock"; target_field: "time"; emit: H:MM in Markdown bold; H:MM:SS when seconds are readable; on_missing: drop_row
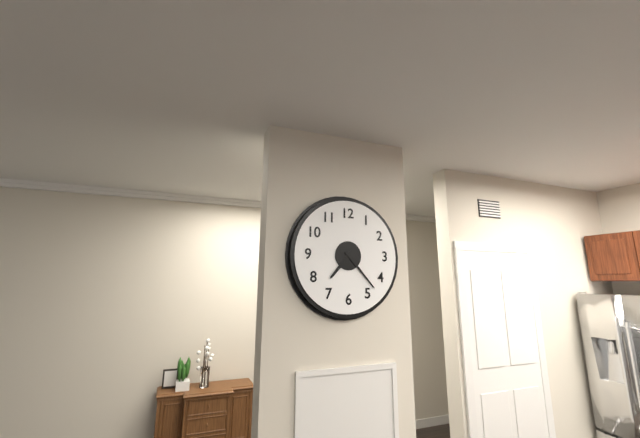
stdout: **7:23**
